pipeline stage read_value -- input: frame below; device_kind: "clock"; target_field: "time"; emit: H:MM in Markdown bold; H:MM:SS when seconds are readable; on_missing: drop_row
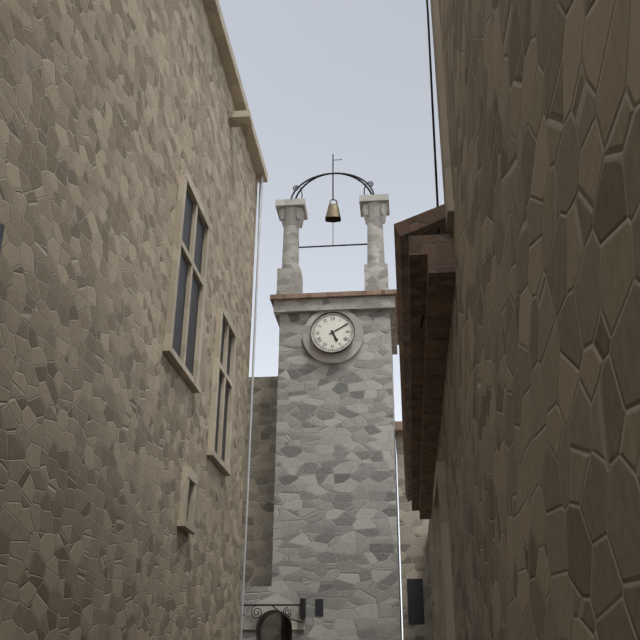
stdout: **5:10**
